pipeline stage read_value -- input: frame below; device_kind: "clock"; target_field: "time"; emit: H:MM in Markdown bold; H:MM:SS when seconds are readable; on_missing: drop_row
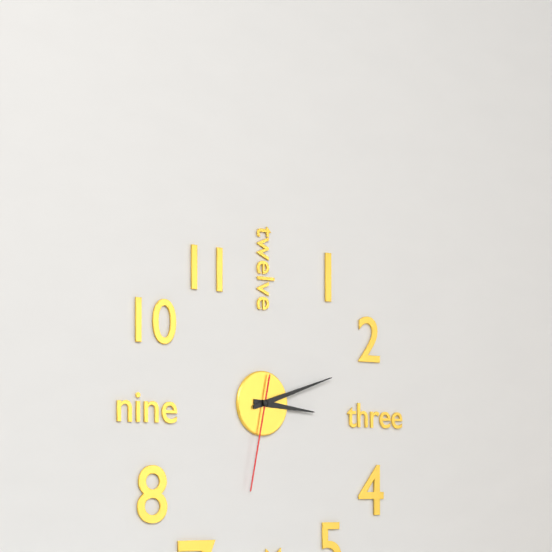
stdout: **3:12:32**
